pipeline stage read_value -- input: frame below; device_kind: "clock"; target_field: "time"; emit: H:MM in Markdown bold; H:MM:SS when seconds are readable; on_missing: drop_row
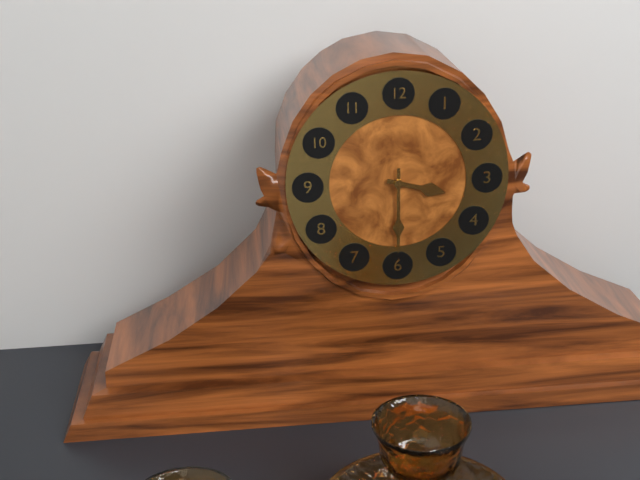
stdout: **3:30**
